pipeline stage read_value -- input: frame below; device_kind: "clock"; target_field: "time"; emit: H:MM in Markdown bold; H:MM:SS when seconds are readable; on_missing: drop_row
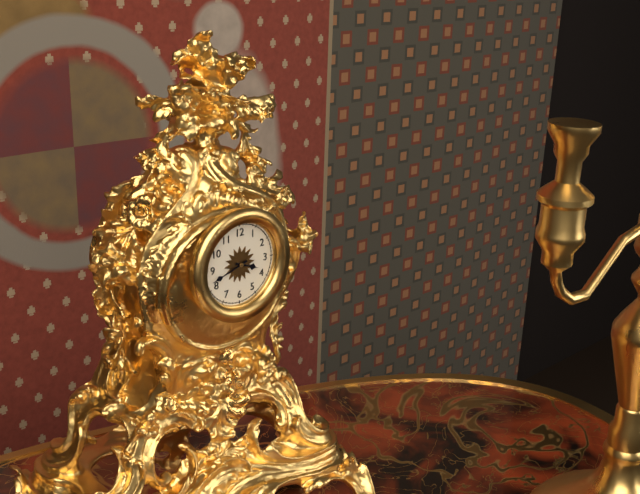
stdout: **3:42**
